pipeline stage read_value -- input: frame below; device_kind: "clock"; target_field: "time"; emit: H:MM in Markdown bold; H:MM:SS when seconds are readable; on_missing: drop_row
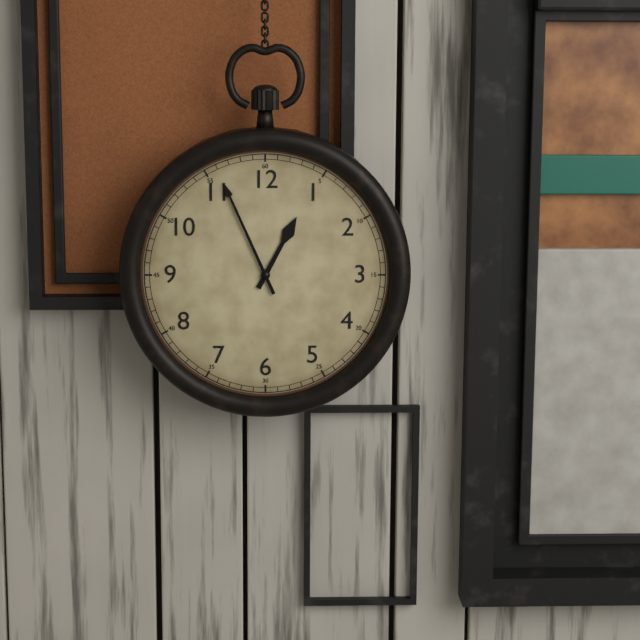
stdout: **12:56**
